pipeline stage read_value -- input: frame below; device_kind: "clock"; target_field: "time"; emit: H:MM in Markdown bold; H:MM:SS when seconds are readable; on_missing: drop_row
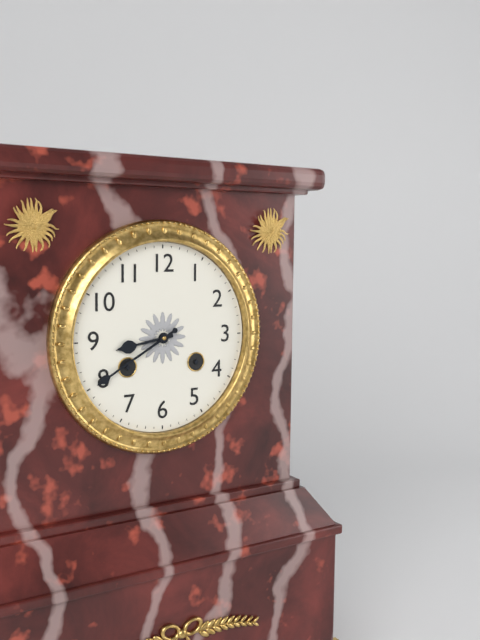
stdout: **8:40**
